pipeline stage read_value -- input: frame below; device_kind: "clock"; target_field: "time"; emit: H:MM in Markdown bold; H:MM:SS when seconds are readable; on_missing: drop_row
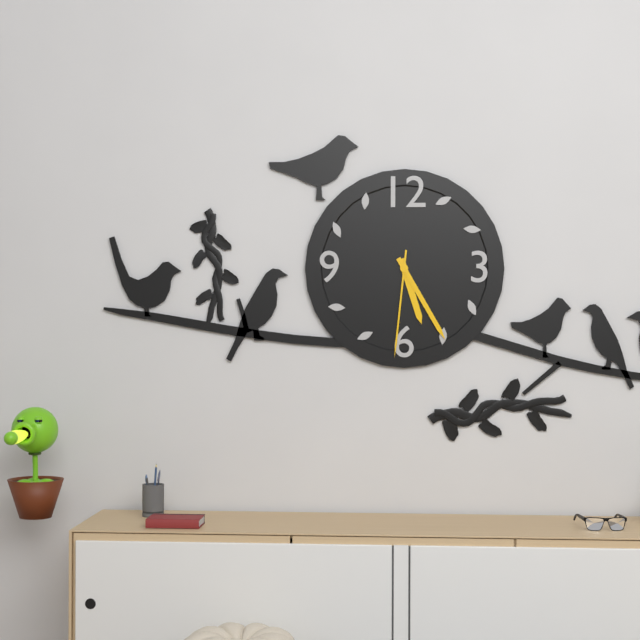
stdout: **5:25:31**
